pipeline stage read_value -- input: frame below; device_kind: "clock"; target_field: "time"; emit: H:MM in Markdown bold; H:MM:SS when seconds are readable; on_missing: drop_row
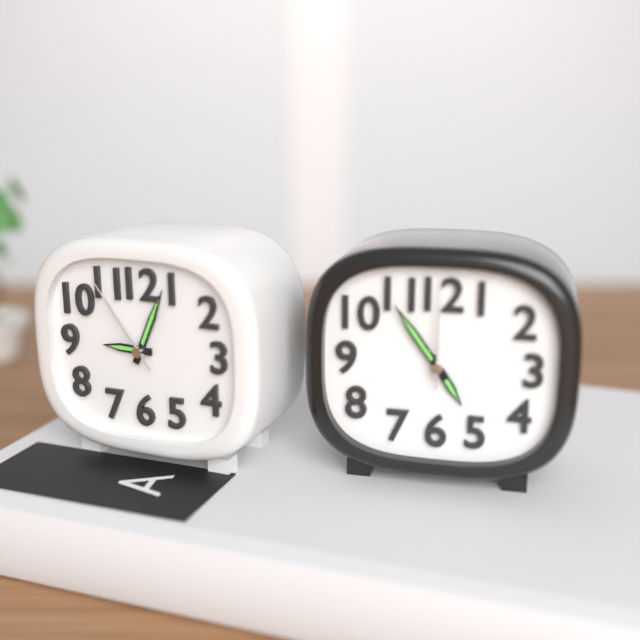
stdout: **9:04:54**
